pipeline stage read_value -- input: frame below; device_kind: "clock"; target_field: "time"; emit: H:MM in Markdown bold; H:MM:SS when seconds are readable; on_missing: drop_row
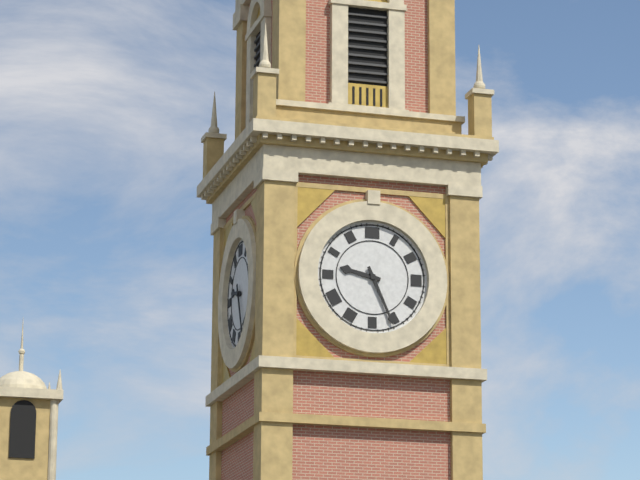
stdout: **9:26**
